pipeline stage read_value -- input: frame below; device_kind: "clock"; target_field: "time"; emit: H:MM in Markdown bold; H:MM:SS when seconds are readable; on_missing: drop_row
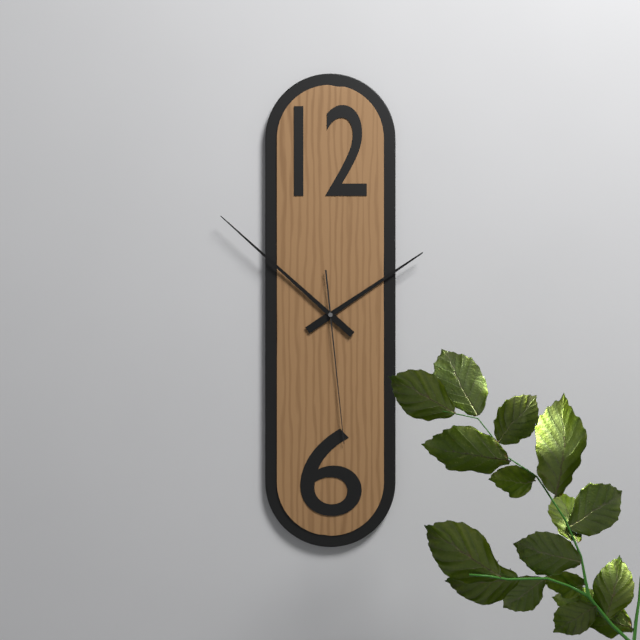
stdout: **1:52:29**
